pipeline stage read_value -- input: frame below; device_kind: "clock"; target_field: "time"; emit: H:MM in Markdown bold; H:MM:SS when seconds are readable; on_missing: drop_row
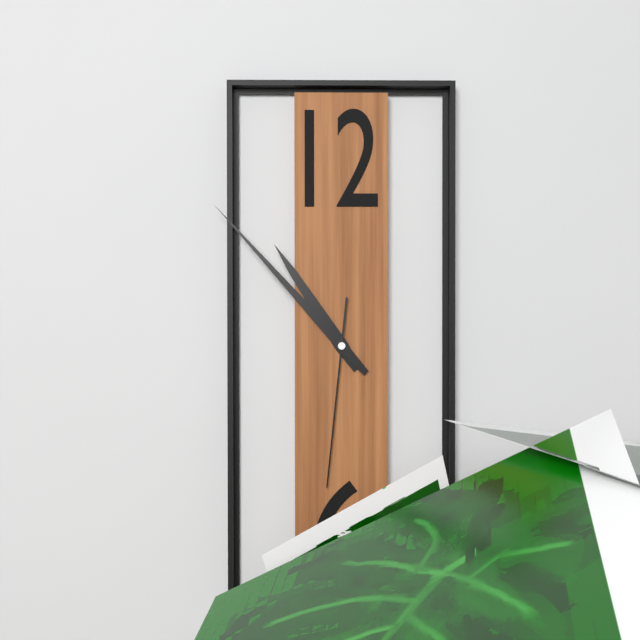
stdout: **10:53:31**
